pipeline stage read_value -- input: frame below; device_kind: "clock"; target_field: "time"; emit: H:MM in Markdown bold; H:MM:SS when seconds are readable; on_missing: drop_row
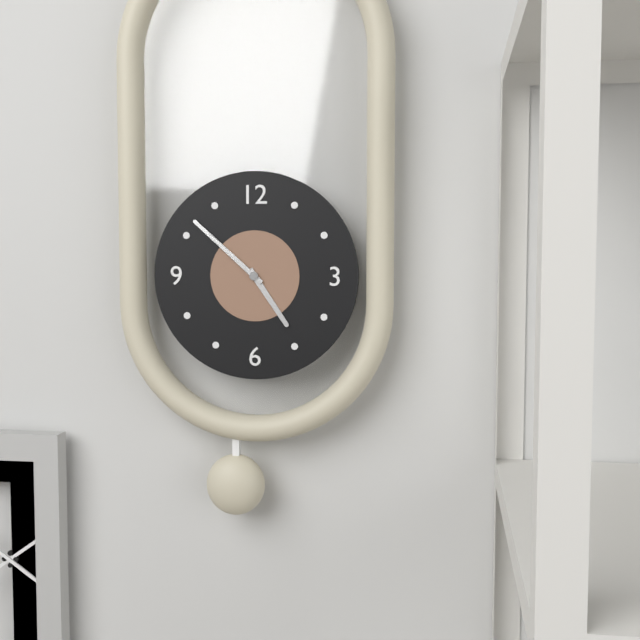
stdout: **4:52**
